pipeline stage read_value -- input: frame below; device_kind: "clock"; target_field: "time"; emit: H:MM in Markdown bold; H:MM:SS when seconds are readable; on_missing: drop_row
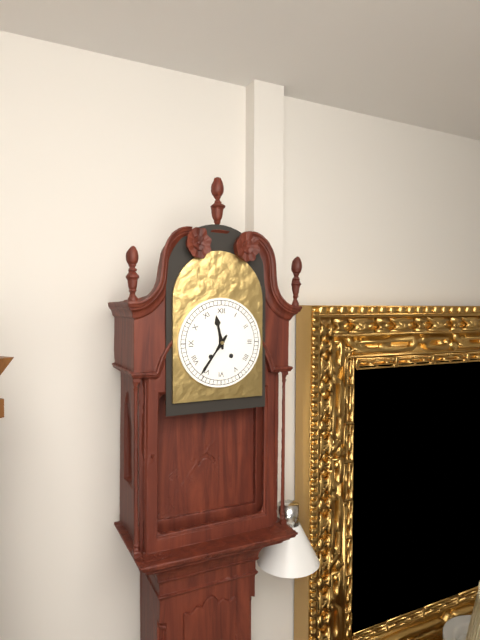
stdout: **11:36**
